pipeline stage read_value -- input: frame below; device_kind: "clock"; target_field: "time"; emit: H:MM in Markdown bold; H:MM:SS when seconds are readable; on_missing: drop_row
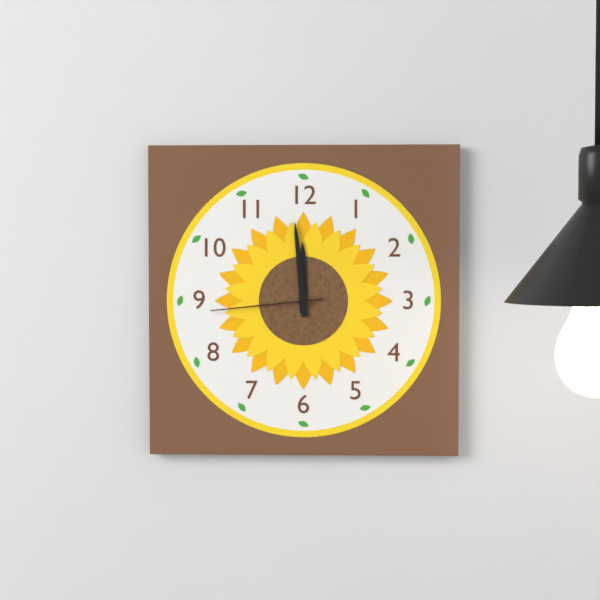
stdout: **11:59:44**
